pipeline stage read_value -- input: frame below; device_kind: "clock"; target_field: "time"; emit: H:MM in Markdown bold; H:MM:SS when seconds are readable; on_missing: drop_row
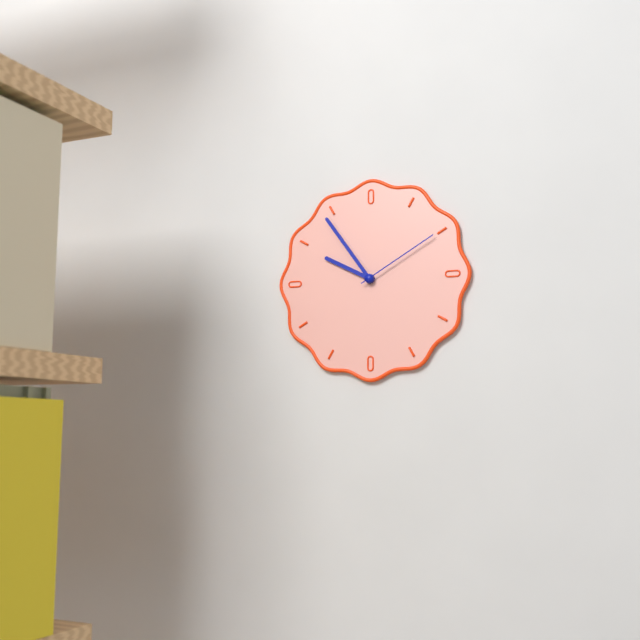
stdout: **9:54:10**
